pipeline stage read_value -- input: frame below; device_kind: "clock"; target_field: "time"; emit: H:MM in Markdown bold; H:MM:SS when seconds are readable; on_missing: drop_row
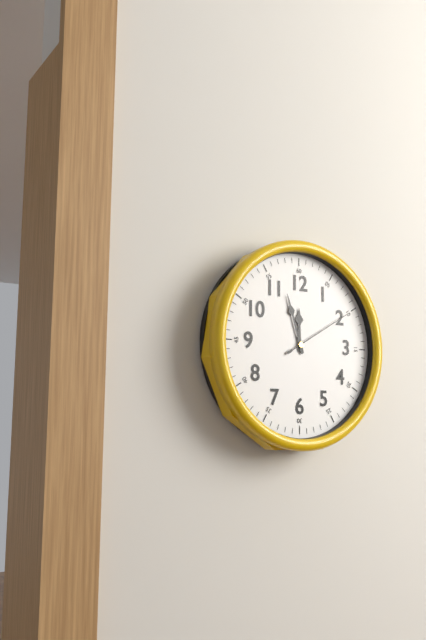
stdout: **11:57:10**
